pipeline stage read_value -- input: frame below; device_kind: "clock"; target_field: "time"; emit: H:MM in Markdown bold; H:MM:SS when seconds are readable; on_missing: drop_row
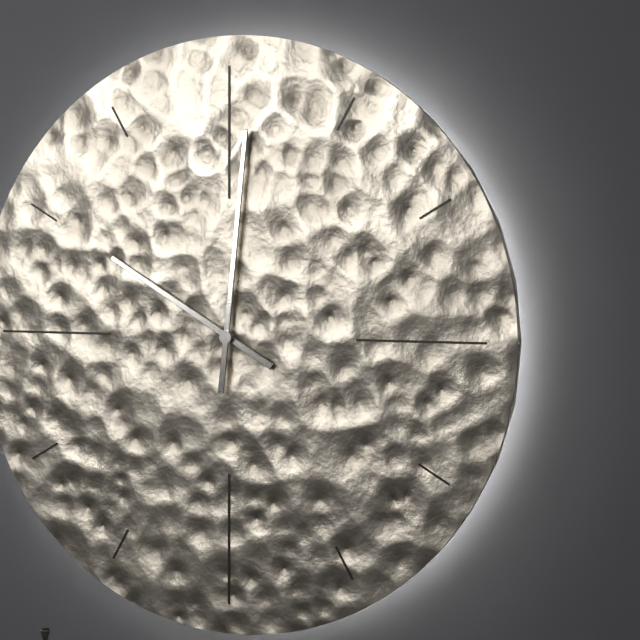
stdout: **10:01**
